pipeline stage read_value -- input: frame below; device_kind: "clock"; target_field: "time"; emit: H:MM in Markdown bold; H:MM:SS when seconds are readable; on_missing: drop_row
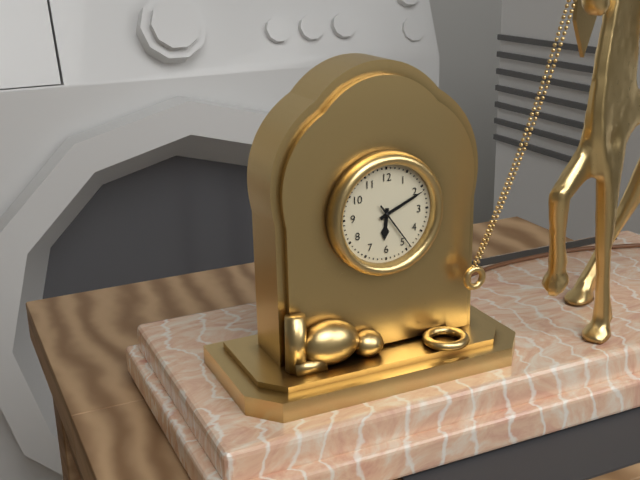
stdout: **6:11:24**
